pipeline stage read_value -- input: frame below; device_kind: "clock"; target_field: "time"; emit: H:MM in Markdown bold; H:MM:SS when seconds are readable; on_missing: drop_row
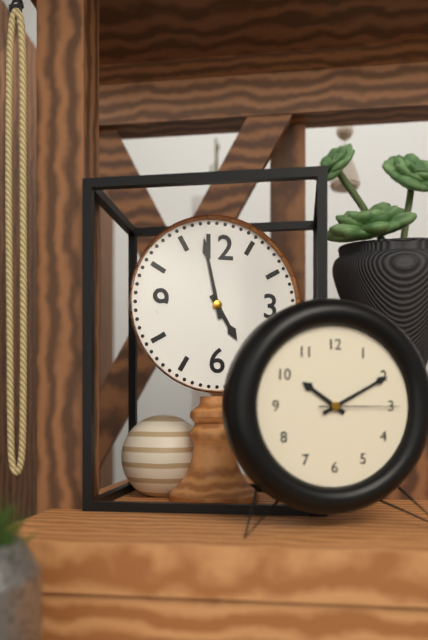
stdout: **4:58**
